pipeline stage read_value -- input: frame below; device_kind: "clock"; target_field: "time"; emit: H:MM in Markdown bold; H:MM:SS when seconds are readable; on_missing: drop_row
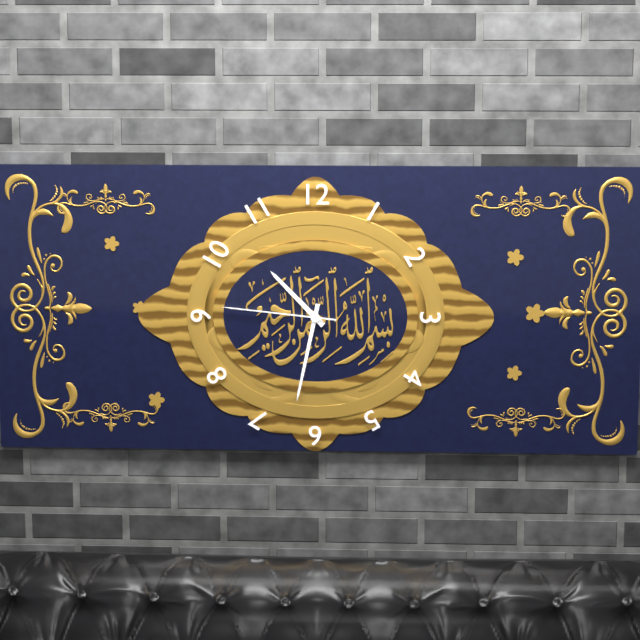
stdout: **10:32:46**
